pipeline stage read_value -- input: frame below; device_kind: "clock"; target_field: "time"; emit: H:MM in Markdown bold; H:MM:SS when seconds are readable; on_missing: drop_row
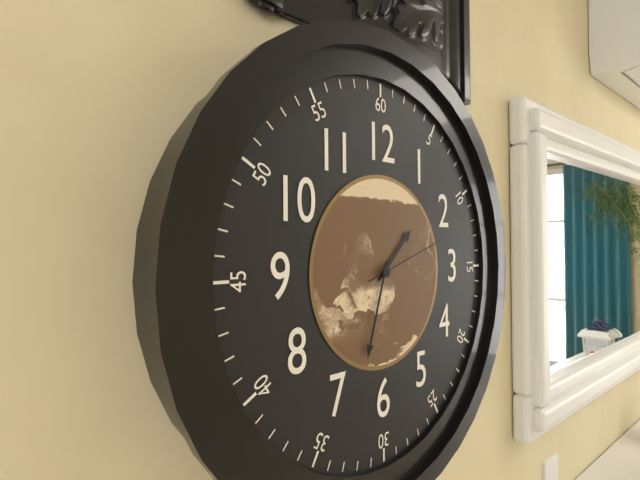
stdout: **1:33:12**
